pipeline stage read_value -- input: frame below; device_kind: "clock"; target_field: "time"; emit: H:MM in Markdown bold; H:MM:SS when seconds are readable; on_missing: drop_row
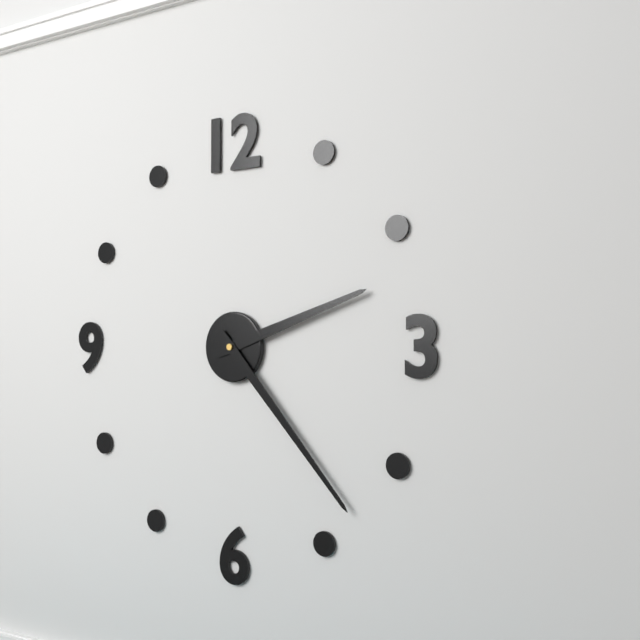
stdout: **2:23**
